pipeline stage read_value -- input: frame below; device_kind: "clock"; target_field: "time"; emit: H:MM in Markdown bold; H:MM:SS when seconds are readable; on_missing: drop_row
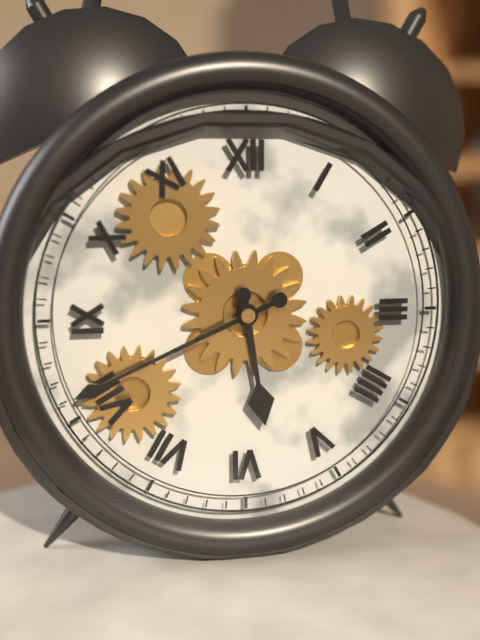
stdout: **5:41**
